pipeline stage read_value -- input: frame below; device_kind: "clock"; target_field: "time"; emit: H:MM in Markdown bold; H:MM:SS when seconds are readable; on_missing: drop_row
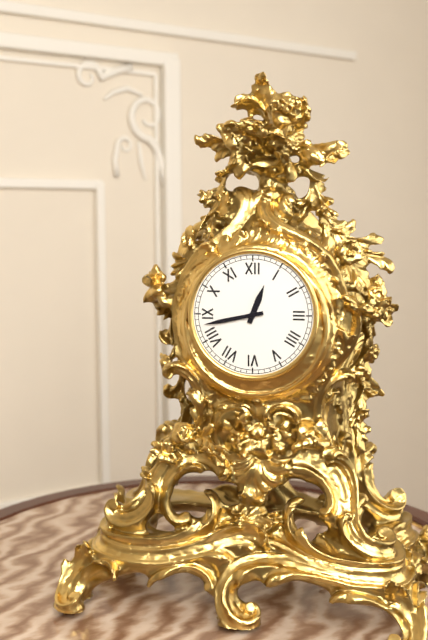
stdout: **12:43**
